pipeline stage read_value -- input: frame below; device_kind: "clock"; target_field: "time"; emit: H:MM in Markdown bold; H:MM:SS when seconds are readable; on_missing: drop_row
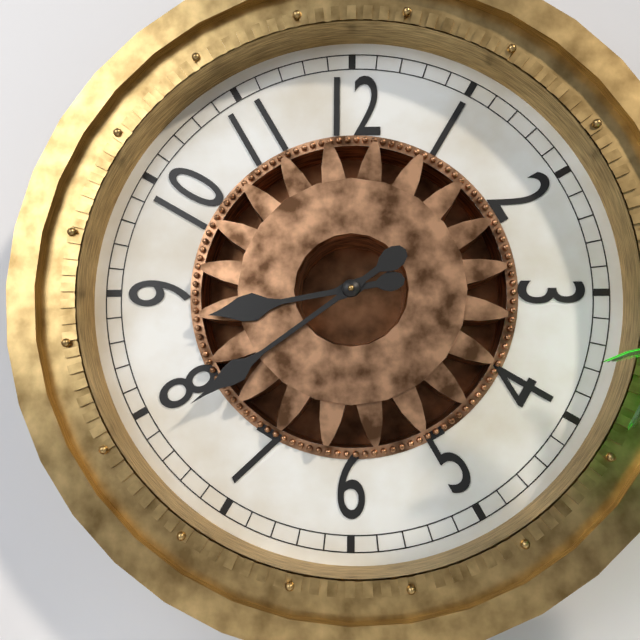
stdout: **8:39**
